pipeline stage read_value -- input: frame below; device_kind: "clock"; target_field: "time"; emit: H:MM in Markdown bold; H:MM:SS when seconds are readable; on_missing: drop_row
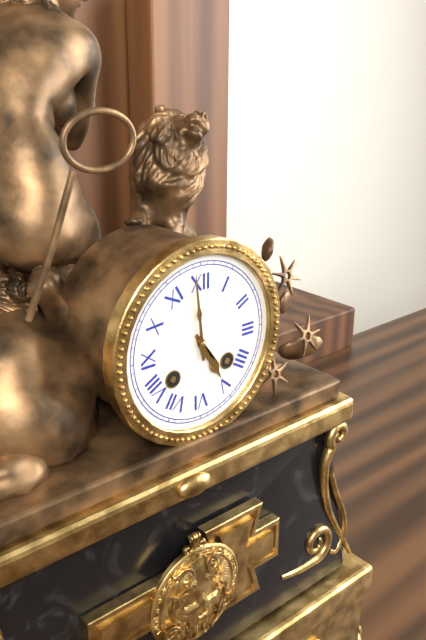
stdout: **4:59**
